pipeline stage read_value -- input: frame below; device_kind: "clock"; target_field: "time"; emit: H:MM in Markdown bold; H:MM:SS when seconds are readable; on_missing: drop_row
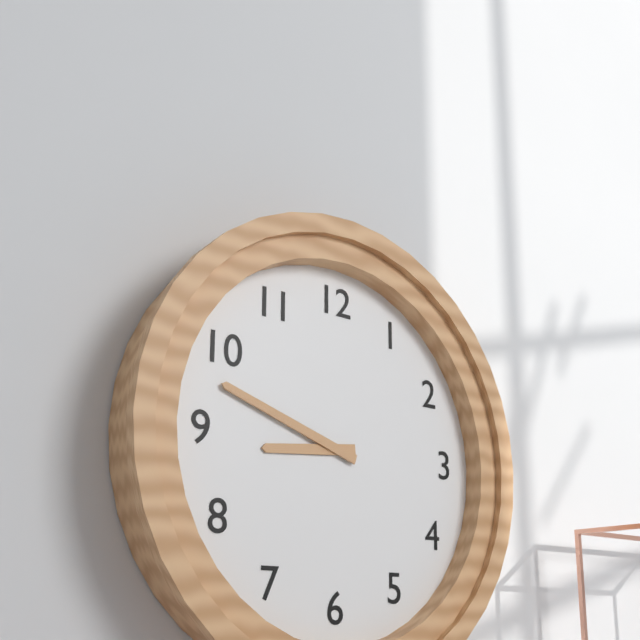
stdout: **8:48**
